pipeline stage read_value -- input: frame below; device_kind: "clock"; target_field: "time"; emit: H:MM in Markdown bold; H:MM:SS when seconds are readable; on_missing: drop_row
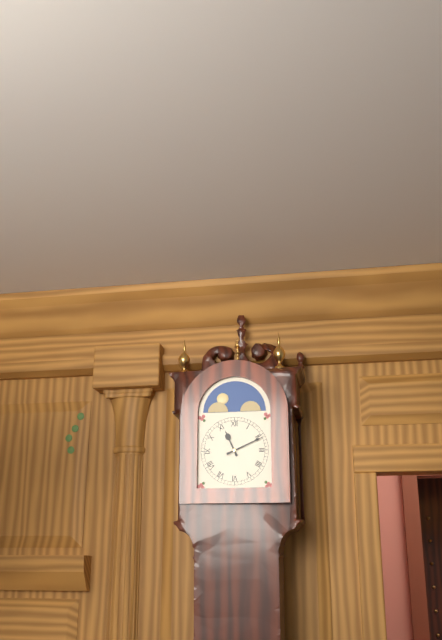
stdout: **11:11**
